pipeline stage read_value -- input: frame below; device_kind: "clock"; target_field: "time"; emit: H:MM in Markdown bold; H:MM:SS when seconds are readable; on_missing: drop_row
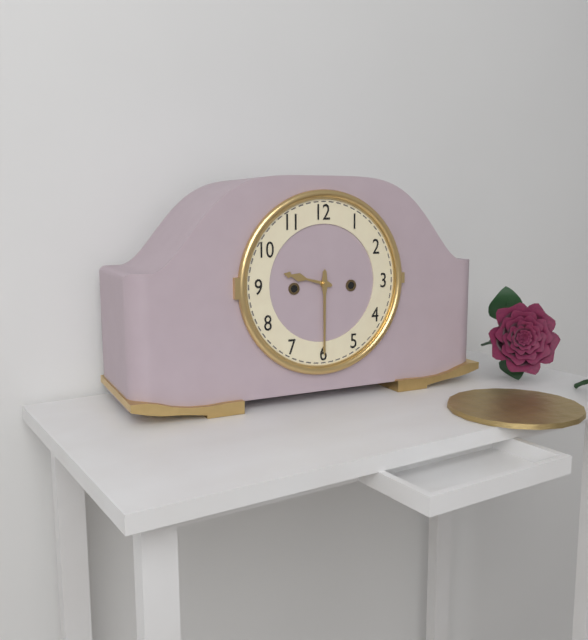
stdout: **9:30**
